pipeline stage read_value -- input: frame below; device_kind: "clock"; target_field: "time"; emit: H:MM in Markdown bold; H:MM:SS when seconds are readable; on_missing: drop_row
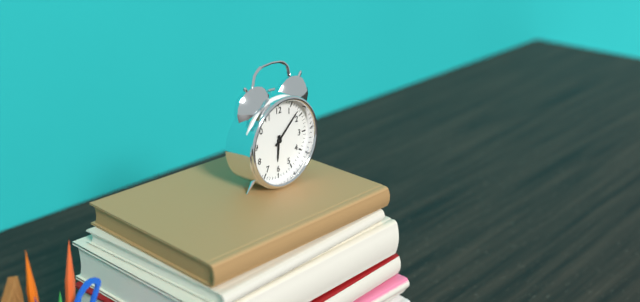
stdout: **6:08**
